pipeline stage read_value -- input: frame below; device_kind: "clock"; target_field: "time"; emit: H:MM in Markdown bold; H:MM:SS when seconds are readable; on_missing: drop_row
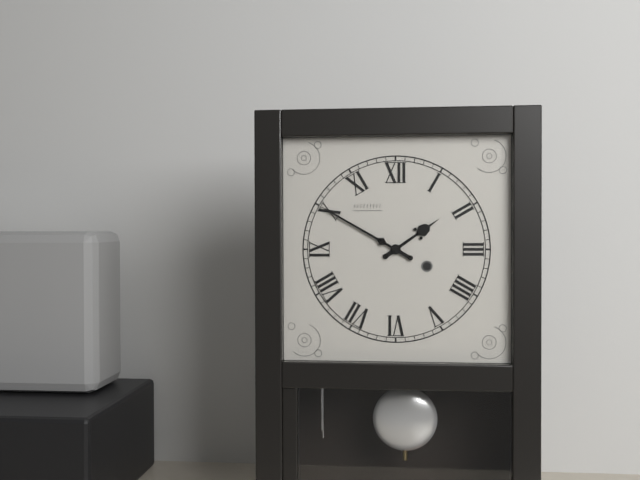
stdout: **1:50**
